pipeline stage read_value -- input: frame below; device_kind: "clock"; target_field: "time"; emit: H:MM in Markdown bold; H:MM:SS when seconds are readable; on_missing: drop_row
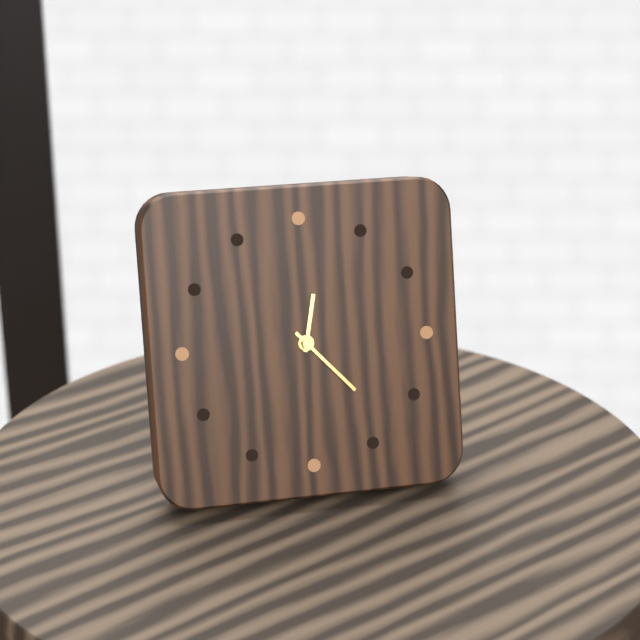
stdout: **12:23**
